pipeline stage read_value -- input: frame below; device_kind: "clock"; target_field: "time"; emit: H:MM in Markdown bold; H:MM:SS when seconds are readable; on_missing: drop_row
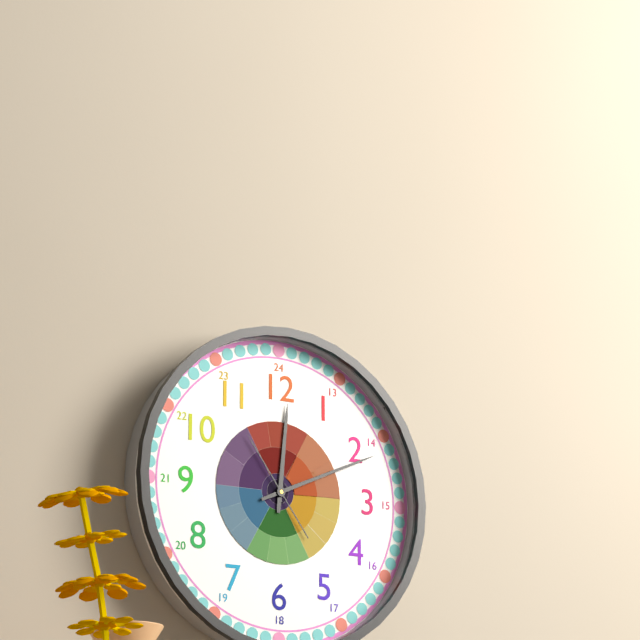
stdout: **12:11:54**
